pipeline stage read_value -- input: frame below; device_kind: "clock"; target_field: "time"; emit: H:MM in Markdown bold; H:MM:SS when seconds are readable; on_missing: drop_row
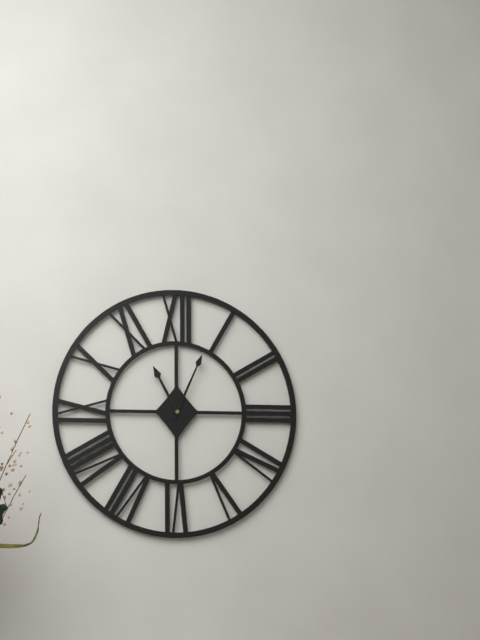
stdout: **11:04**
